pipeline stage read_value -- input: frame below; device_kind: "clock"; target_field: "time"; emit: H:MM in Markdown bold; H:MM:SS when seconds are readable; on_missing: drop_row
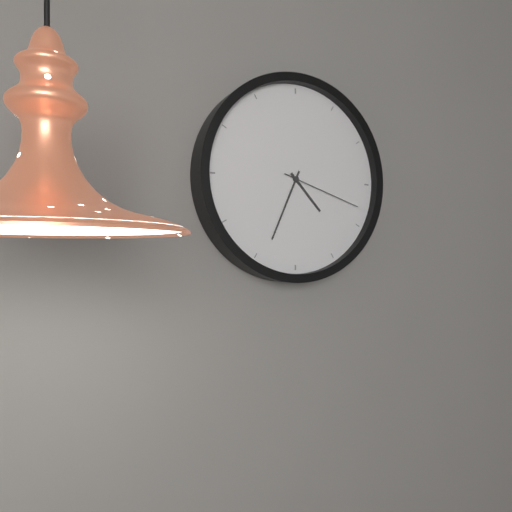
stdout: **4:34:18**
